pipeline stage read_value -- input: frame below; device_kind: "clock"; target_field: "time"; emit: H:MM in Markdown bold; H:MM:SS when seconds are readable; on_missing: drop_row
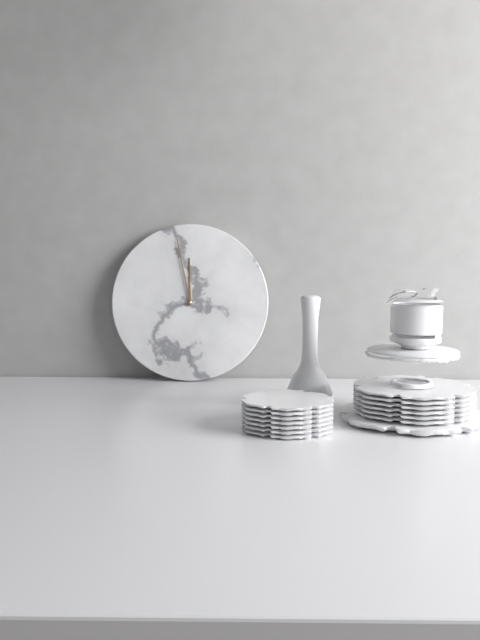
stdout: **11:58**
